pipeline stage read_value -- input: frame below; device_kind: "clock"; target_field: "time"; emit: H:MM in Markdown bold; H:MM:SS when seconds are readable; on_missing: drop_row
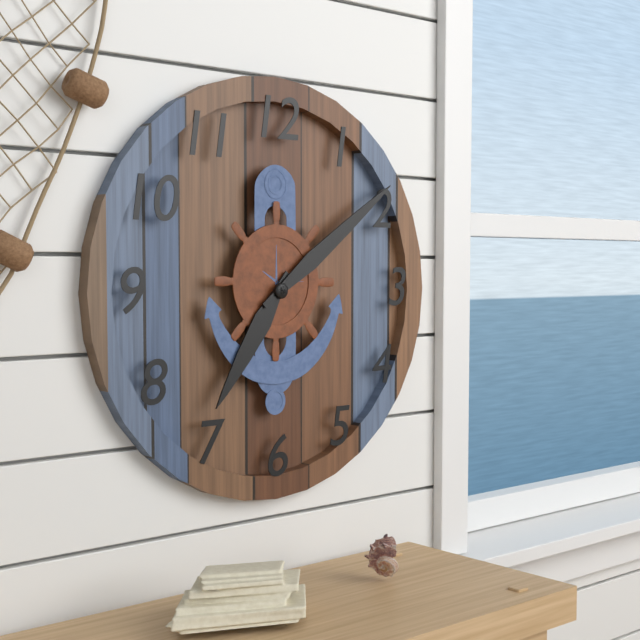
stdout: **7:09**
